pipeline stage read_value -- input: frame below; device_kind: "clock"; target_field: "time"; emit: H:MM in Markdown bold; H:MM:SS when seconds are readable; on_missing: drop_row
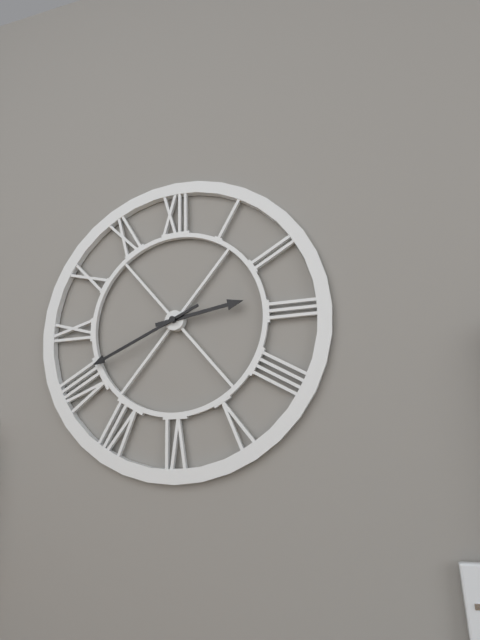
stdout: **2:41**
